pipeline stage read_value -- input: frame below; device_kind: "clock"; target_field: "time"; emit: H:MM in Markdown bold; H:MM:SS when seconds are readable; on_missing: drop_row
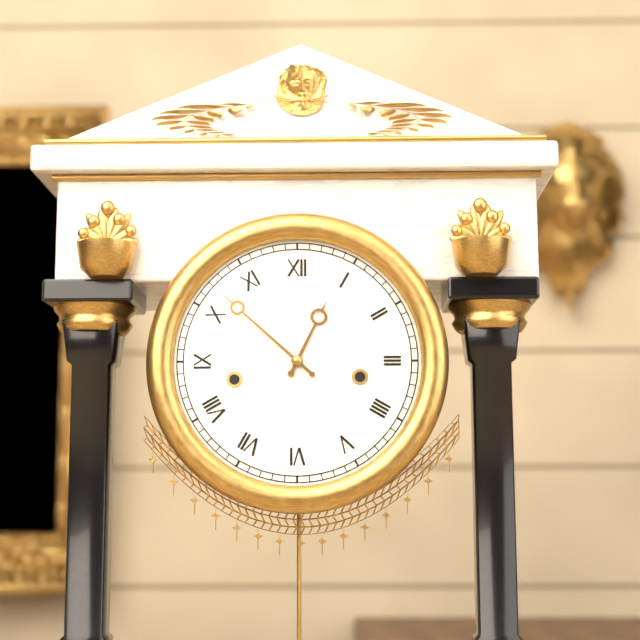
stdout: **12:52**
